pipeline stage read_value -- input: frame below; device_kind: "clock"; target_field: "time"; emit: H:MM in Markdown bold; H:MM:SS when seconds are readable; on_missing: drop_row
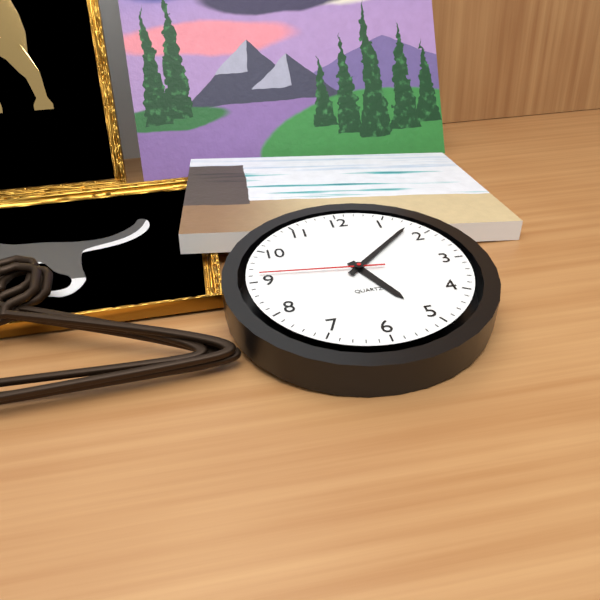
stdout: **5:08:46**
